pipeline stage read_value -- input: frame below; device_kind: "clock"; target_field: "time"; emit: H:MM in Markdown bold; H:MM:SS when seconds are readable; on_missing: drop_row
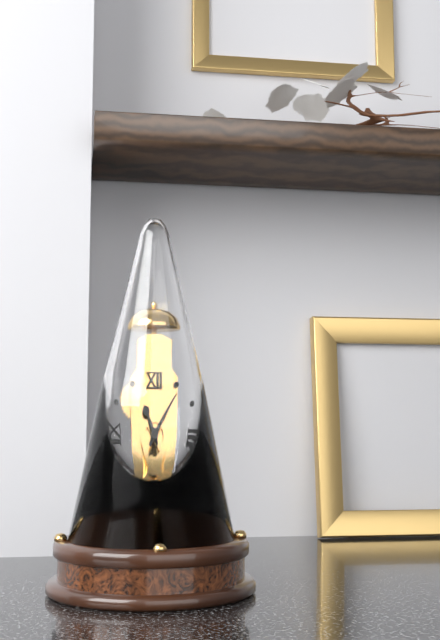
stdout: **11:06**
